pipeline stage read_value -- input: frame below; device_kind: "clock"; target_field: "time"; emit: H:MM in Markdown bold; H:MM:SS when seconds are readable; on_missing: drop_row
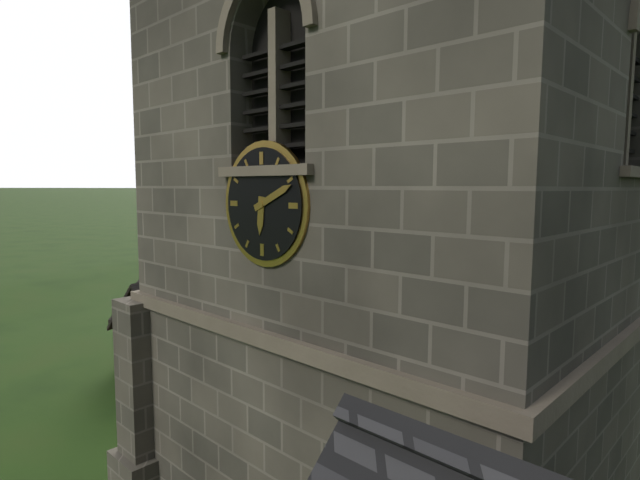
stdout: **6:11**
